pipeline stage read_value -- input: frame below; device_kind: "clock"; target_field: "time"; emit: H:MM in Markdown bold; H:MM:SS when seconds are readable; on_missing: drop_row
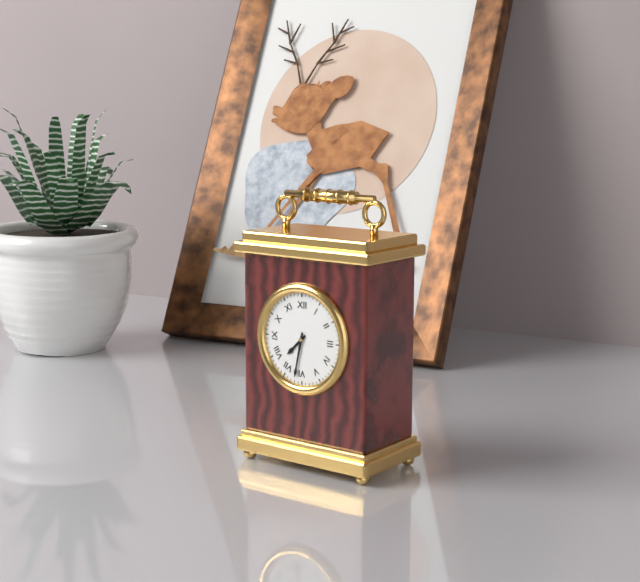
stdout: **7:32**
